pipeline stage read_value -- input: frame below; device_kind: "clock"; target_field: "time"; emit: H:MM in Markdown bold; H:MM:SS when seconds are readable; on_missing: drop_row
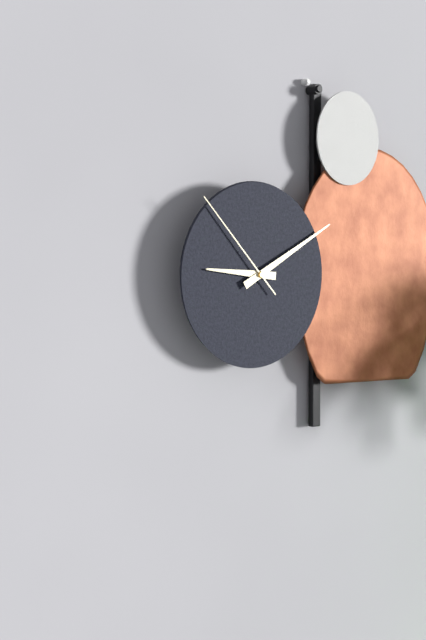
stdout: **9:10:53**
